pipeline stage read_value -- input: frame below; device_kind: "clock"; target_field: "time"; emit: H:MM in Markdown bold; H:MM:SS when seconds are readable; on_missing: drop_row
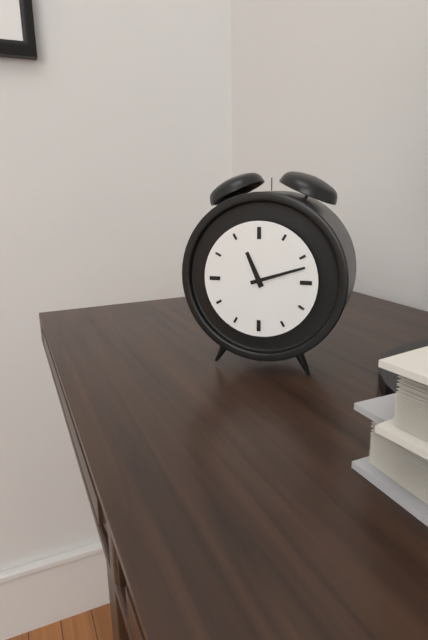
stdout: **11:12**
